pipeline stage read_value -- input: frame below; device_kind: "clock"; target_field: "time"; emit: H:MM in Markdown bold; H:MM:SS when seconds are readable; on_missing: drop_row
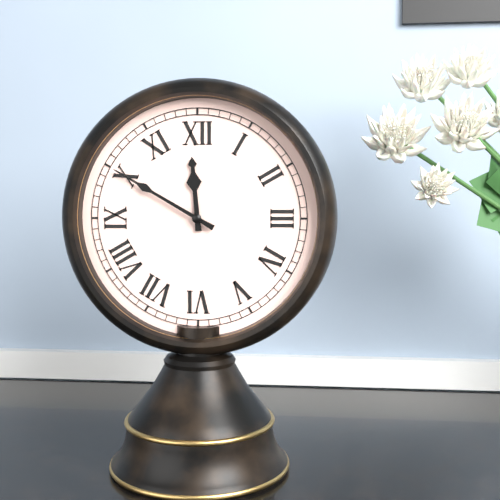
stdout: **11:50**
